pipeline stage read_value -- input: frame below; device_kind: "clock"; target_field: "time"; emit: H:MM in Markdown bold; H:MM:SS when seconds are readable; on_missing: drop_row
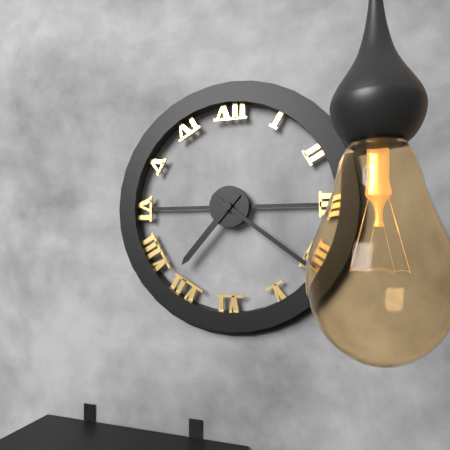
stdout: **7:21**
